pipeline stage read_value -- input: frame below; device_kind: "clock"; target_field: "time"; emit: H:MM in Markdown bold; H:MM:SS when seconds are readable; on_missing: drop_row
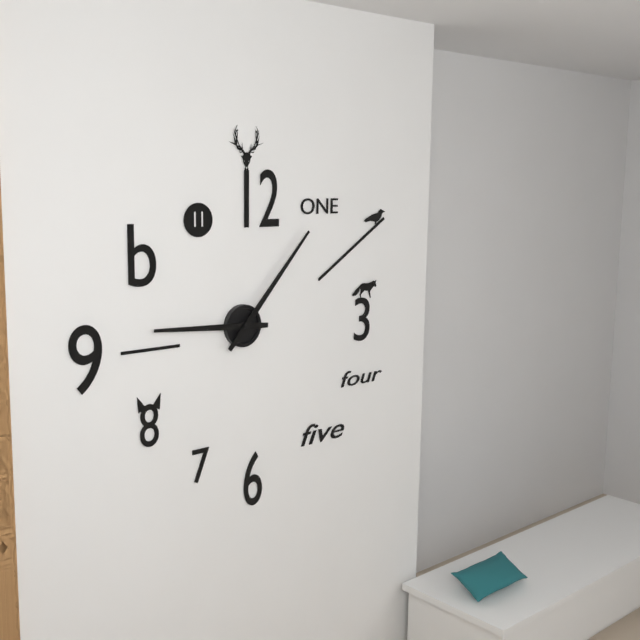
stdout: **9:07**
